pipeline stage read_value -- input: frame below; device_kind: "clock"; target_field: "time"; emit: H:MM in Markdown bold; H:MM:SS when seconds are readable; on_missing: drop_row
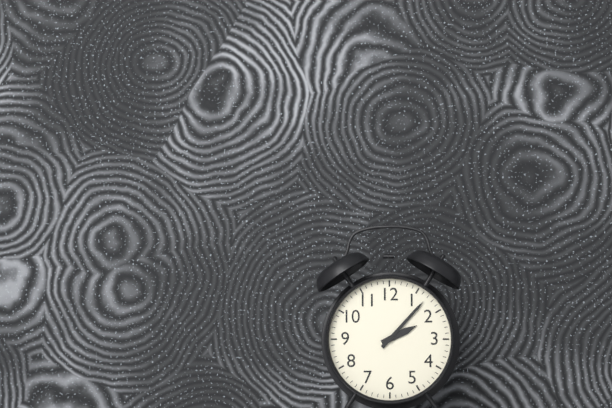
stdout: **2:07**
